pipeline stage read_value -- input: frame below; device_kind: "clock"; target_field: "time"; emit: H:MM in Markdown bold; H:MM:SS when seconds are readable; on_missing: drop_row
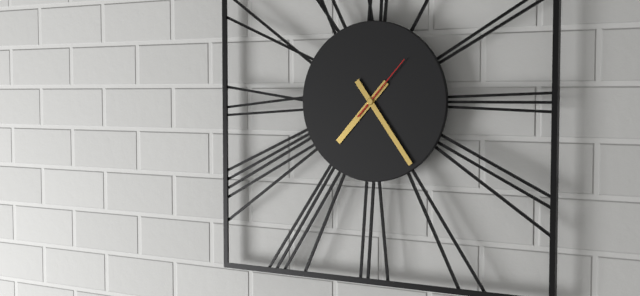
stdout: **7:24:07**
